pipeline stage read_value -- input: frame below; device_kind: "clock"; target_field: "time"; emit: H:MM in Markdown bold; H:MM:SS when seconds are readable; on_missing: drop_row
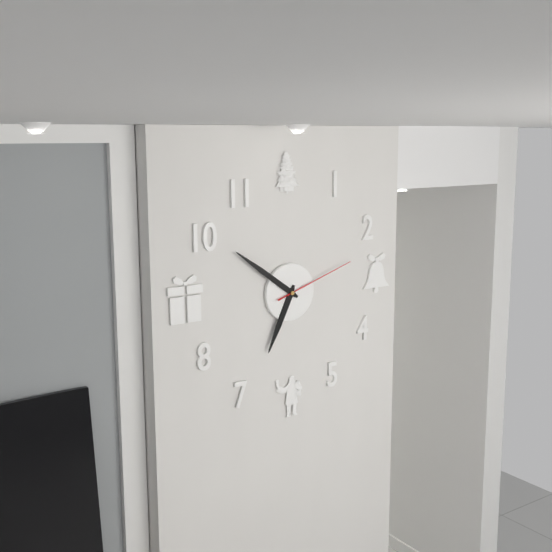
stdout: **6:51:12**
